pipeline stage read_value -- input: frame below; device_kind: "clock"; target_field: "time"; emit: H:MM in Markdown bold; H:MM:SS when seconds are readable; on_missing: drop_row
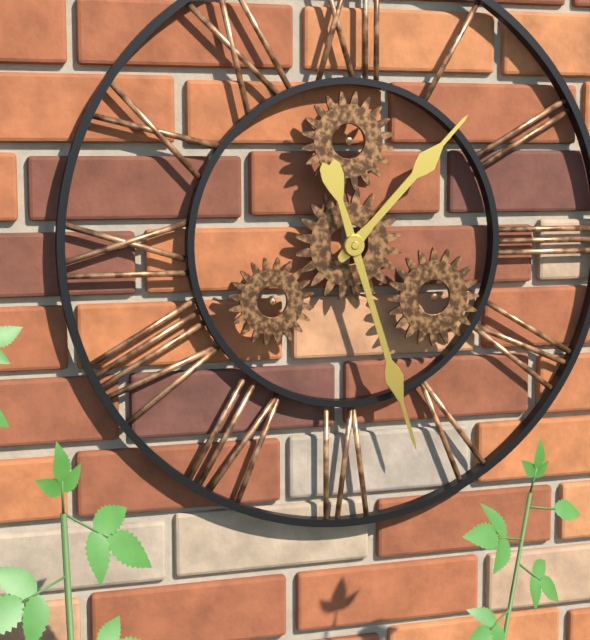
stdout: **1:27**
